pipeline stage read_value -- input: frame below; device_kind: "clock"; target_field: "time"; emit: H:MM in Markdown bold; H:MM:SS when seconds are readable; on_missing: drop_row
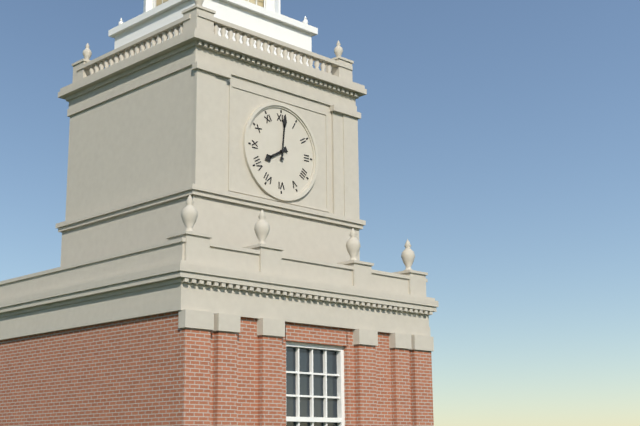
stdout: **8:01**
